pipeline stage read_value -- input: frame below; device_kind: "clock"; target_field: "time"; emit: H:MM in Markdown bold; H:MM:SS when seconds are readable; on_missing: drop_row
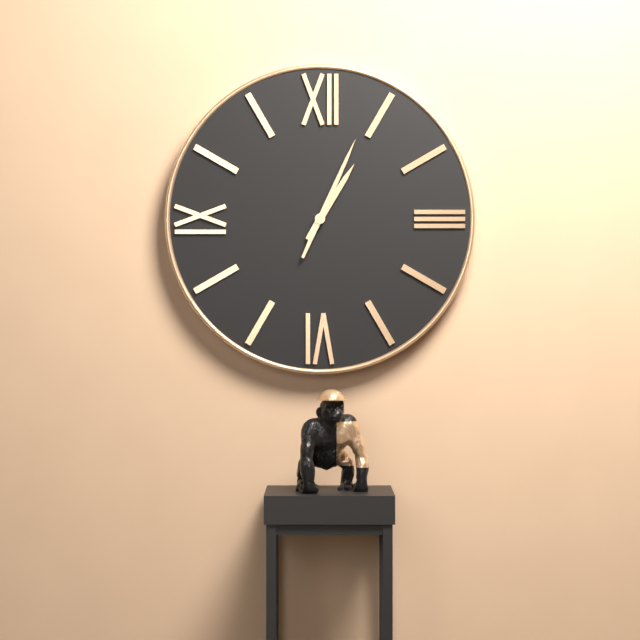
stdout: **1:04**
